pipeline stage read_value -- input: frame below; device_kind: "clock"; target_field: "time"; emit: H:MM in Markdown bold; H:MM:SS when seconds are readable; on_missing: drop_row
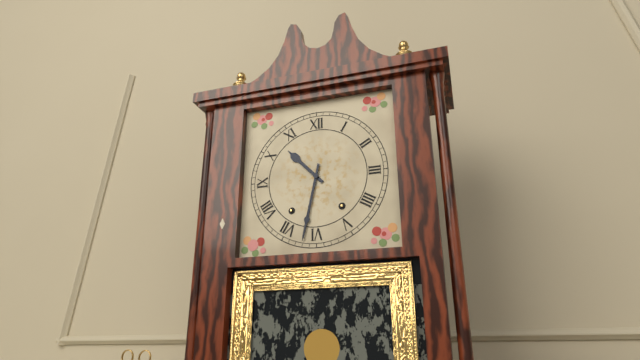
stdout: **10:32**
